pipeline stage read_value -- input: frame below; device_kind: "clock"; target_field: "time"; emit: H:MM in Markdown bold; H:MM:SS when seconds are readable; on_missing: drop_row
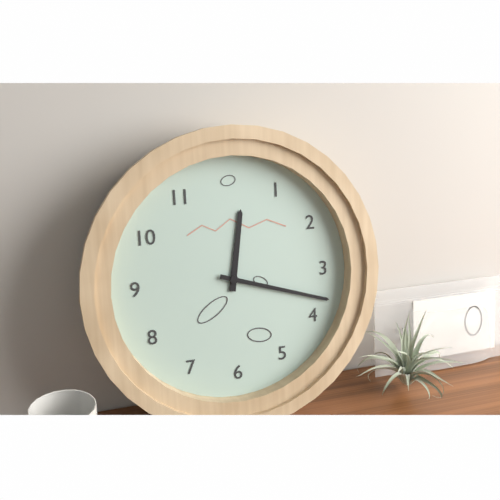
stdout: **12:18**
